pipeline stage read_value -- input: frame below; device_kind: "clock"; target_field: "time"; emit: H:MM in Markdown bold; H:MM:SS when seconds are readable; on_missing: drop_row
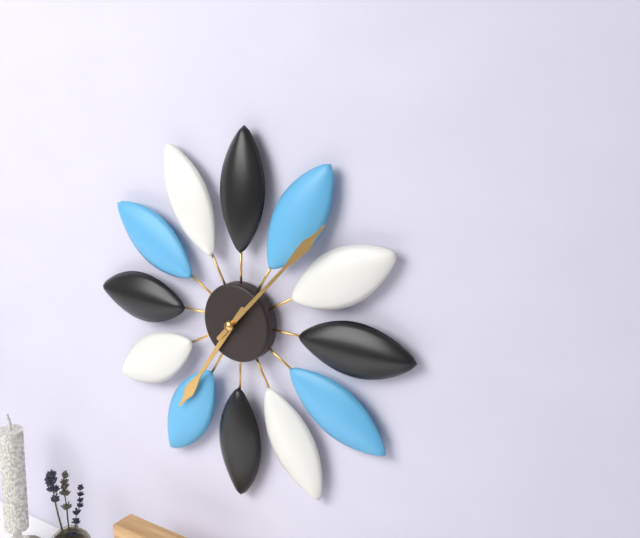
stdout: **7:07**
